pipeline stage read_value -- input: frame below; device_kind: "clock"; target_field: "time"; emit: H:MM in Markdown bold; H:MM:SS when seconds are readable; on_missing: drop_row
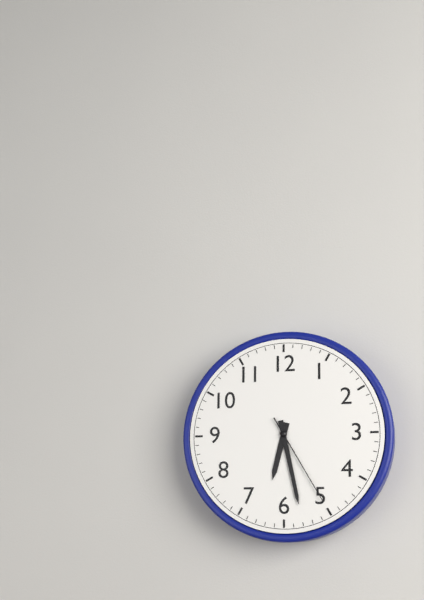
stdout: **6:28:25**
